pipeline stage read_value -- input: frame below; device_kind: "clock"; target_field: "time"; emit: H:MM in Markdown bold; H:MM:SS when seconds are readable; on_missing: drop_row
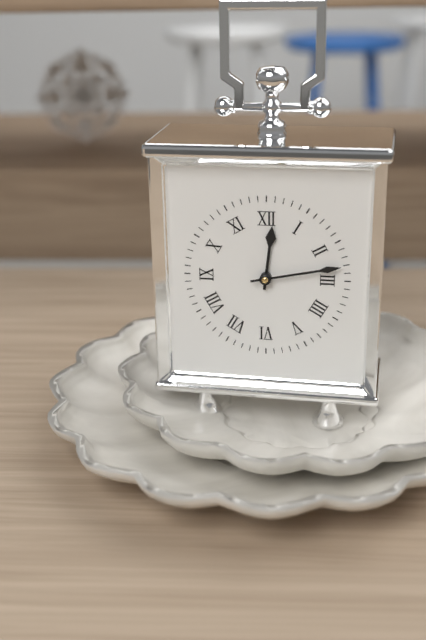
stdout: **12:13**
